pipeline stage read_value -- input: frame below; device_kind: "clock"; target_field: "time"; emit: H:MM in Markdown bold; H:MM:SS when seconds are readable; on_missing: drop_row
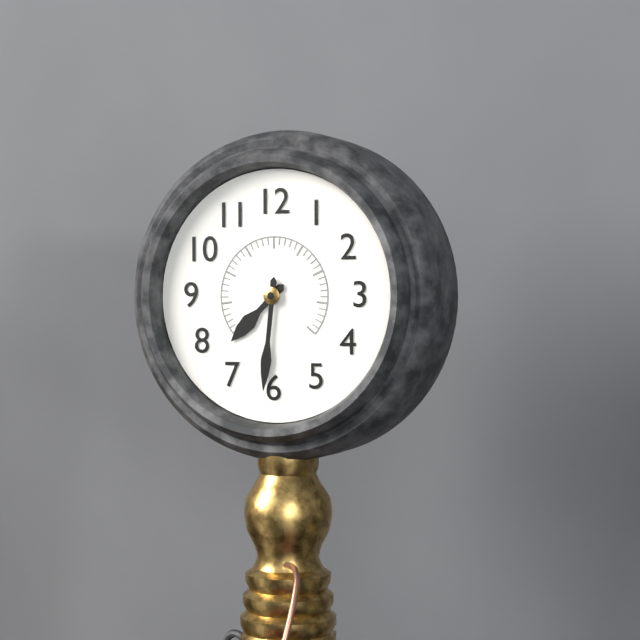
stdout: **7:31**
